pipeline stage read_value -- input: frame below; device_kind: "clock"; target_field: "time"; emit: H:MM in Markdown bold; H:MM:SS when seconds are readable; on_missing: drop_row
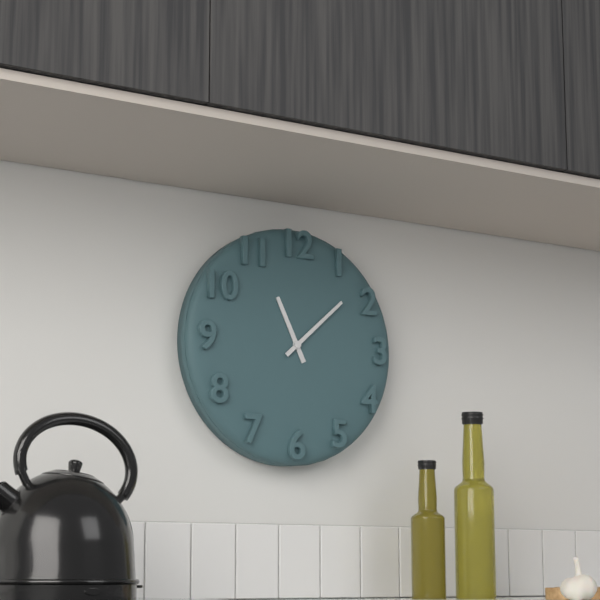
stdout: **11:08**
